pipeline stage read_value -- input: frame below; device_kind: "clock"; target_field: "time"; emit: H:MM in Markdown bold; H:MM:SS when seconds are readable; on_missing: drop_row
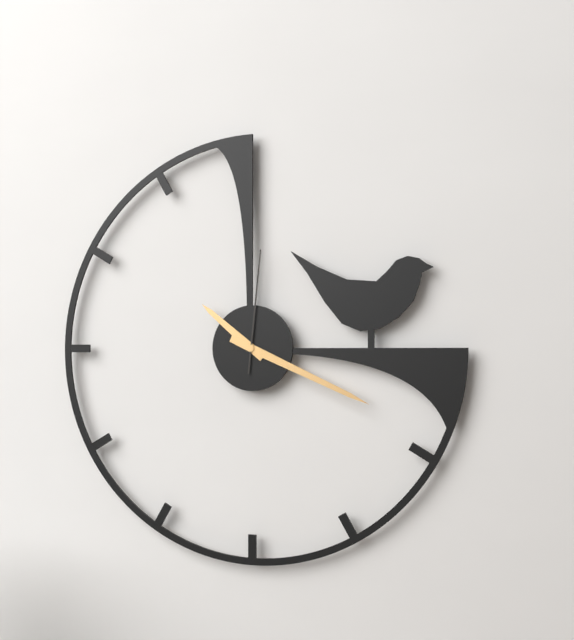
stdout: **10:19:01**
